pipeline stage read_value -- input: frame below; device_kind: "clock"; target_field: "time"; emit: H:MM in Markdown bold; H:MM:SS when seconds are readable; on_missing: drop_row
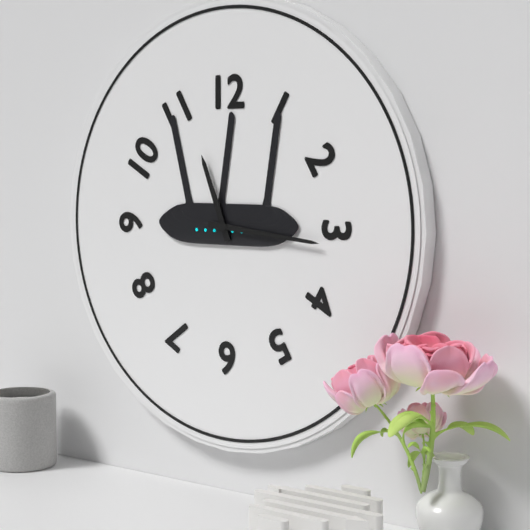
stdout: **11:16**
